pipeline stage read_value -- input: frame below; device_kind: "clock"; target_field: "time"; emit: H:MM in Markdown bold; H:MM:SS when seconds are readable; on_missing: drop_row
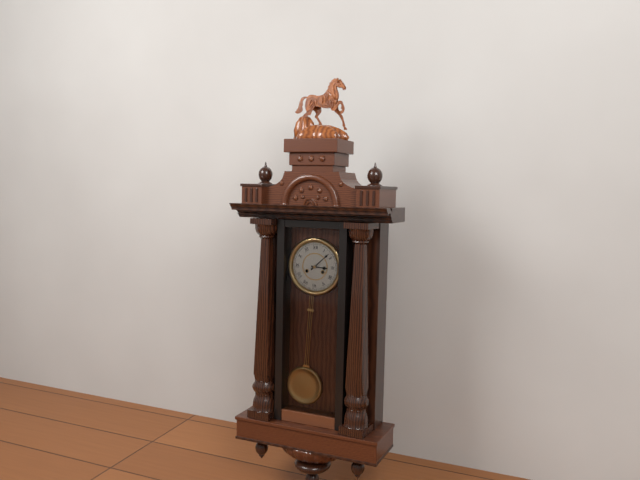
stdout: **3:08**
